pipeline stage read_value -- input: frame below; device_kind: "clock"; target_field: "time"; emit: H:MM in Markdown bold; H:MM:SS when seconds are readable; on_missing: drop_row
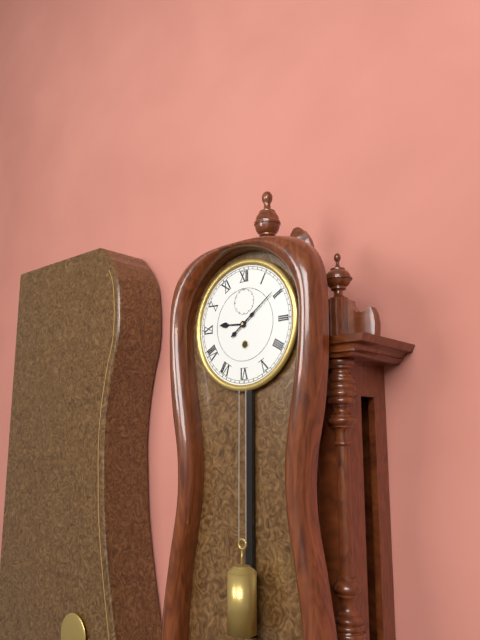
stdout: **9:09**
